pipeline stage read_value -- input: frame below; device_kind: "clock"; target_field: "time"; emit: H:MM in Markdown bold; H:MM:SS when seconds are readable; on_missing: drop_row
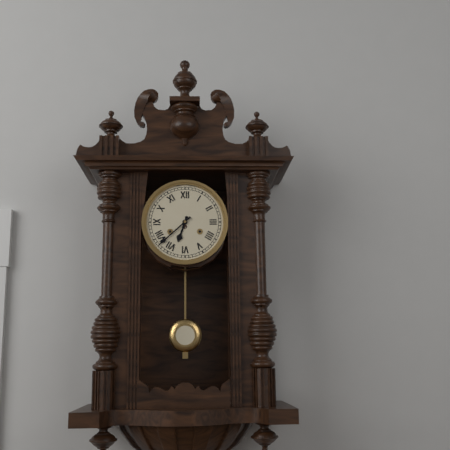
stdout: **6:38**
